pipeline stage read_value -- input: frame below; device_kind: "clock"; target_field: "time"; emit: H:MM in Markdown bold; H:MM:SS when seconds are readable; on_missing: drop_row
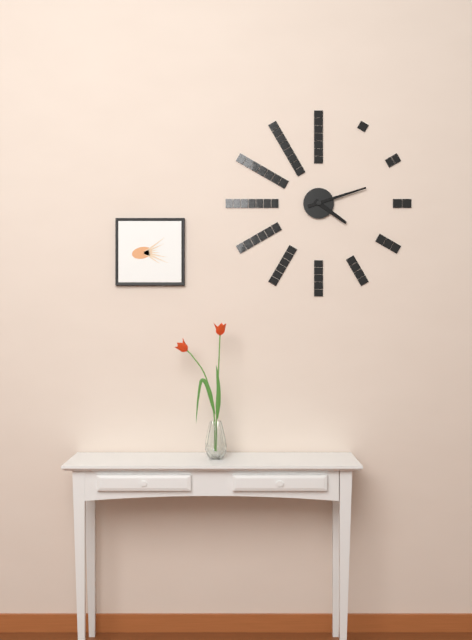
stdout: **4:12**
